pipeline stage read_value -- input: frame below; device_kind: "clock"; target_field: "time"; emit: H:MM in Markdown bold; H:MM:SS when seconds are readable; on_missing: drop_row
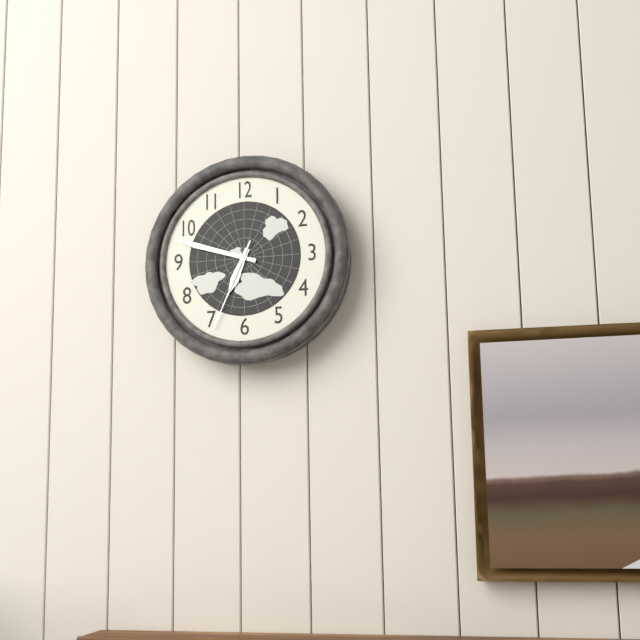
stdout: **6:48:34**
